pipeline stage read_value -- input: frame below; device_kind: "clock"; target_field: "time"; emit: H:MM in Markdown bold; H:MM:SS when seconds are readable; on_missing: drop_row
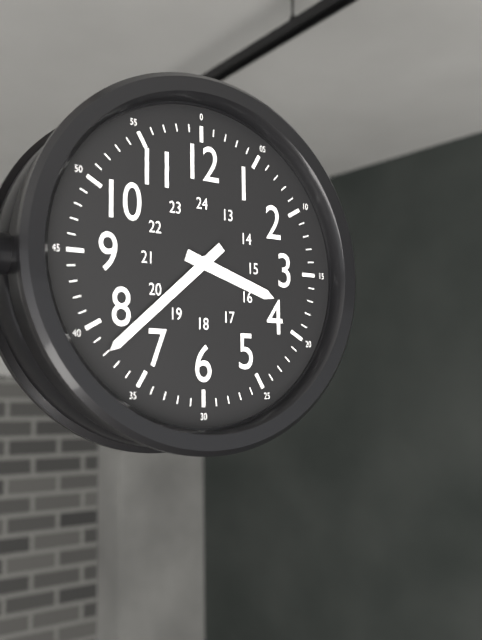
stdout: **3:38**
